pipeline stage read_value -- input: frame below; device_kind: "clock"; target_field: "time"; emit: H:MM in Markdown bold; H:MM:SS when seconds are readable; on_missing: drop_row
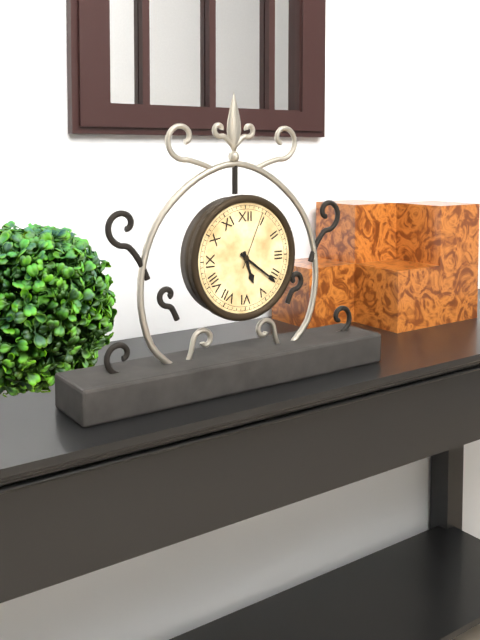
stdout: **5:21:04**
